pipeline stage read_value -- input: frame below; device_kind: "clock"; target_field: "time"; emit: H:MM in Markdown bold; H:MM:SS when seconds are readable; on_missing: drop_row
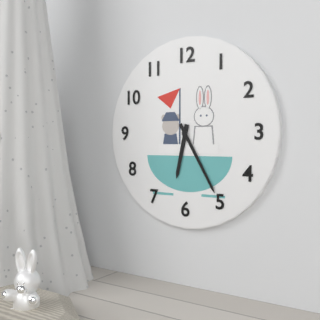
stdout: **6:25**
